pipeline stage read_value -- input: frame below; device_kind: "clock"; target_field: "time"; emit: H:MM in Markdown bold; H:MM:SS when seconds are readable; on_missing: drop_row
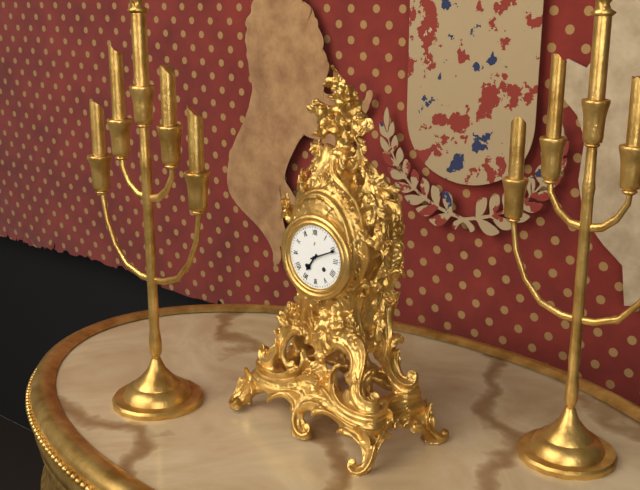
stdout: **7:11**
